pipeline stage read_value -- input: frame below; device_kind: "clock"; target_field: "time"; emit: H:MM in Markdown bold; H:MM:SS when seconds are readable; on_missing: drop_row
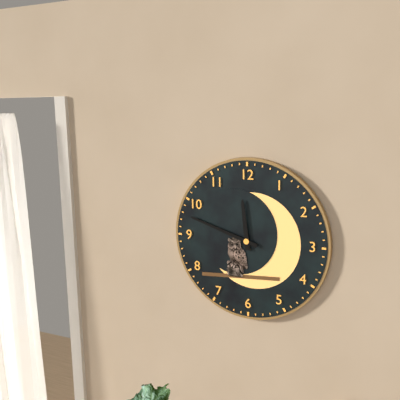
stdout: **11:48**
